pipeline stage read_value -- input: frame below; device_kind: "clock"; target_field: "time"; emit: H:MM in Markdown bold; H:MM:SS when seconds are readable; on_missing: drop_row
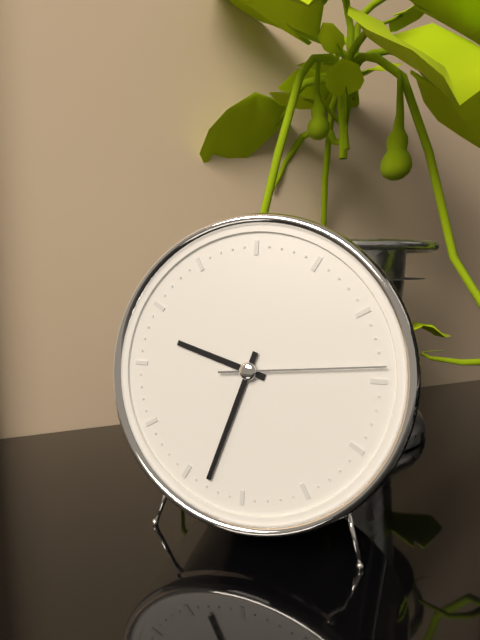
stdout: **9:33:14**
